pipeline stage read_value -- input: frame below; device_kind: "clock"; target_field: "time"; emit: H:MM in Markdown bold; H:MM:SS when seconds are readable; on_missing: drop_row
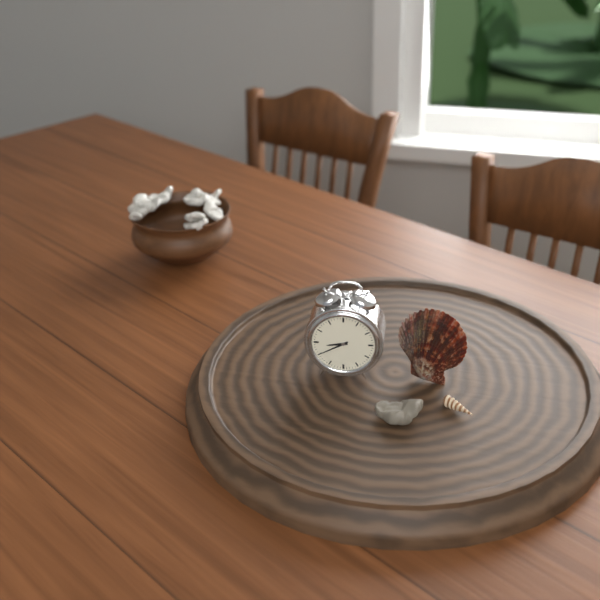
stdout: **8:40**
